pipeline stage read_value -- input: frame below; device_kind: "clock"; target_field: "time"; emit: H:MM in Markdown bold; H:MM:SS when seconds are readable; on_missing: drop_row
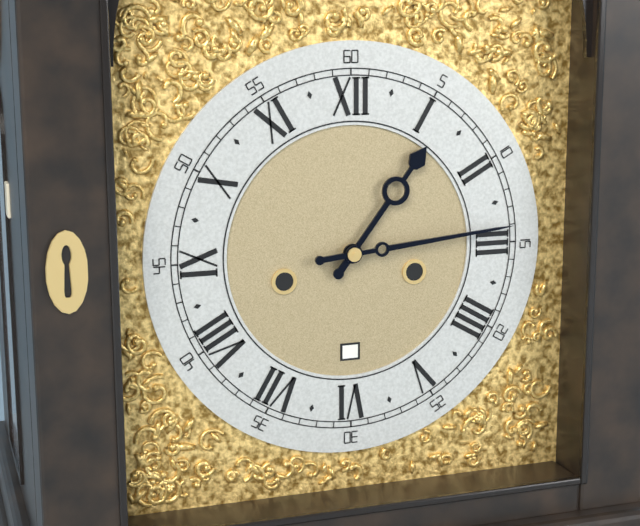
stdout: **1:14**
